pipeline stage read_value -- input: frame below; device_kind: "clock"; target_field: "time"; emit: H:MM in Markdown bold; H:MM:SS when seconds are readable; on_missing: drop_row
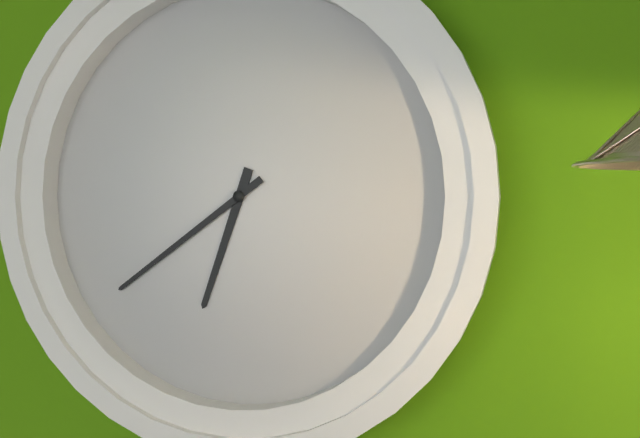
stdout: **6:39**
